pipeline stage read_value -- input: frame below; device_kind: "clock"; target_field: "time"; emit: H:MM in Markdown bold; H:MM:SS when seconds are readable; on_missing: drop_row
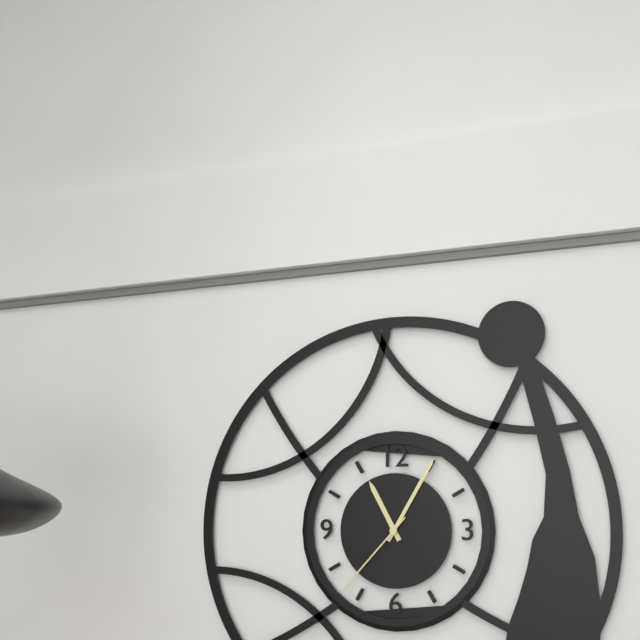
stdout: **11:05:37**
